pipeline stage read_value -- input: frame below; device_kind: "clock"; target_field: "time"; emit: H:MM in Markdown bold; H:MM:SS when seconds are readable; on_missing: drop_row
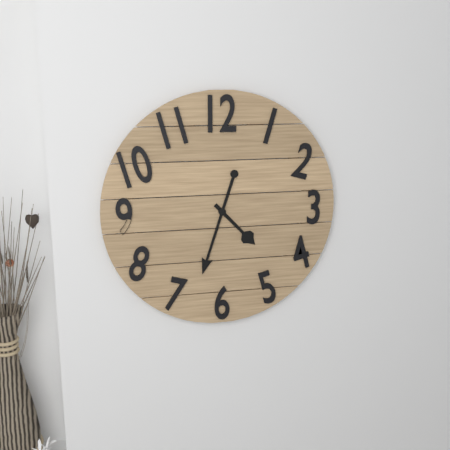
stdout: **4:33**
